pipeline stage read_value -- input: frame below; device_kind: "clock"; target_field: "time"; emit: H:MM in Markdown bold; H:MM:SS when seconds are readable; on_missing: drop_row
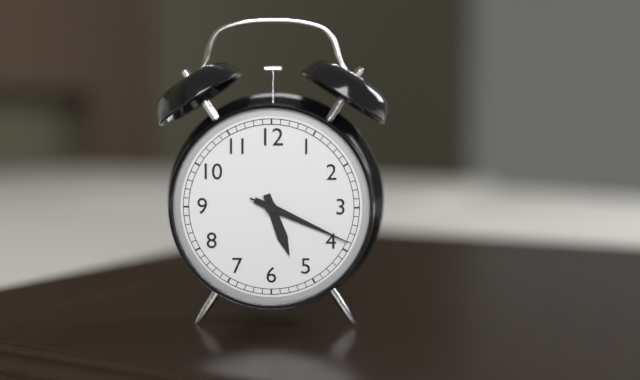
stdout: **5:19:19**
